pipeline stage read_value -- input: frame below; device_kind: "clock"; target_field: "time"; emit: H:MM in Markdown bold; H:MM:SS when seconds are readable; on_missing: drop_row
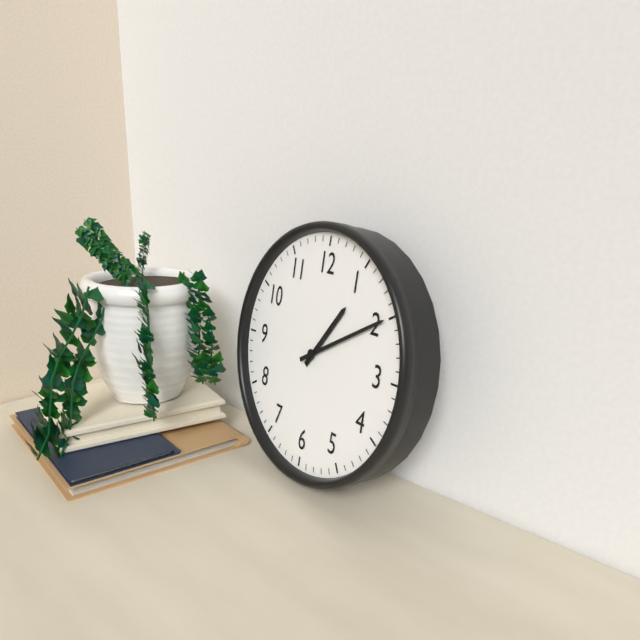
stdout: **1:10**
